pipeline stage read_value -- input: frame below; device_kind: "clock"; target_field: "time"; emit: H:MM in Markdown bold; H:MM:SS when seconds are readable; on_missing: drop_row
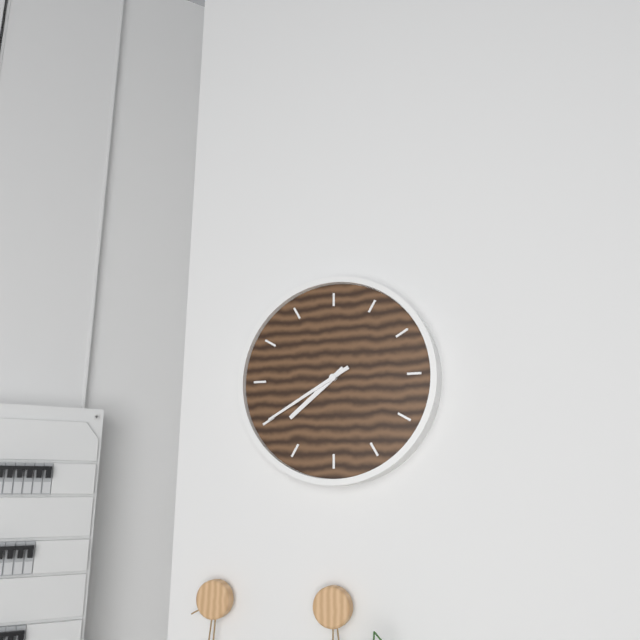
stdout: **7:40**
